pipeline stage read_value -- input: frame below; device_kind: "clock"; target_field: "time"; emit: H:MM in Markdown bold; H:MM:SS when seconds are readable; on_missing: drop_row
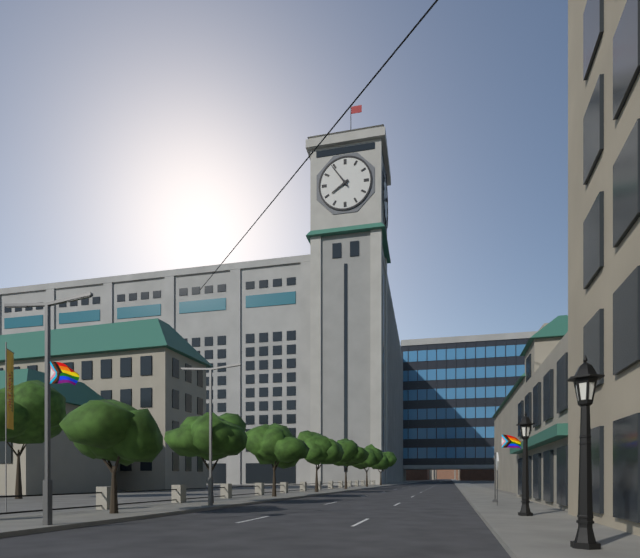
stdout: **7:54**
